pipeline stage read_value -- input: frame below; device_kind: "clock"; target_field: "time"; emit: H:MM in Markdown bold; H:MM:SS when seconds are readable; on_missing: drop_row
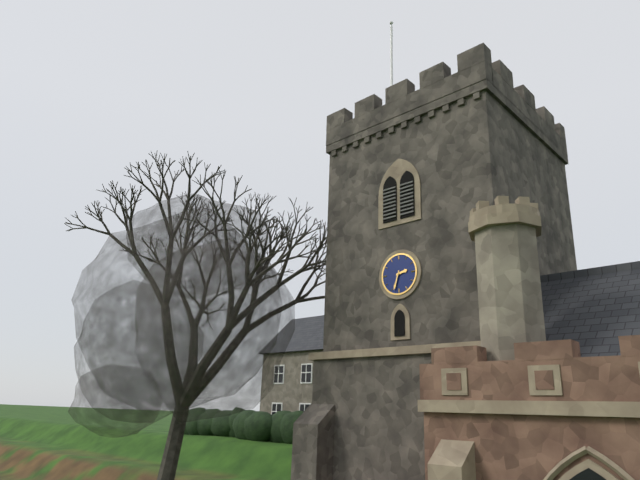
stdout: **2:33**
